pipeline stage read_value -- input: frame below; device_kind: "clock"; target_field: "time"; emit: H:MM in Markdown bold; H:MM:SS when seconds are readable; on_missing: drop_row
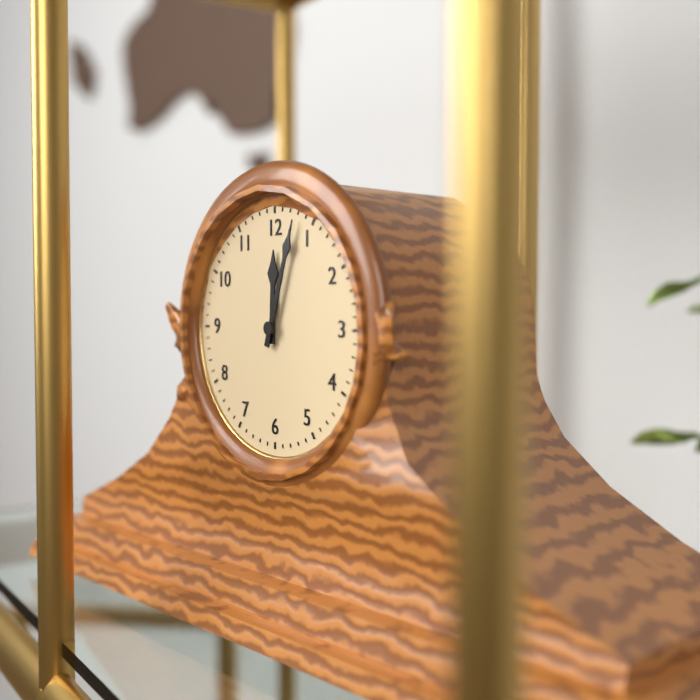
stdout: **12:03**
